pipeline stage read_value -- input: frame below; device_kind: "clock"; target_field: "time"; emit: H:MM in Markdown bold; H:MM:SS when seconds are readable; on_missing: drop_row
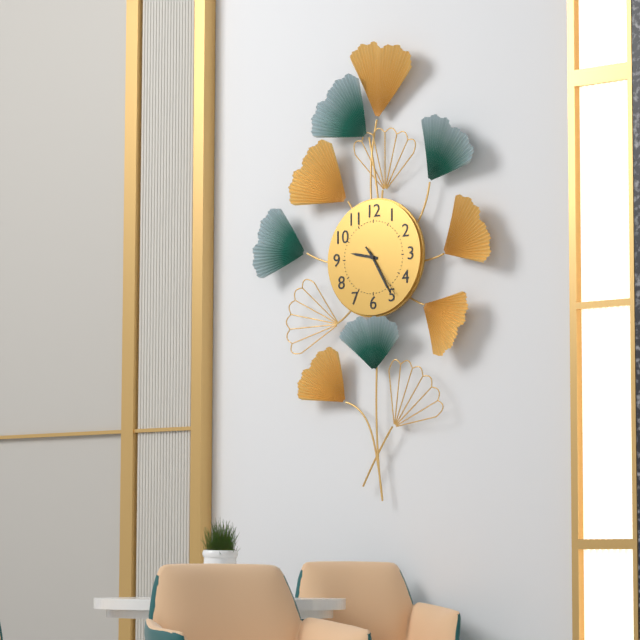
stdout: **9:25:24**
